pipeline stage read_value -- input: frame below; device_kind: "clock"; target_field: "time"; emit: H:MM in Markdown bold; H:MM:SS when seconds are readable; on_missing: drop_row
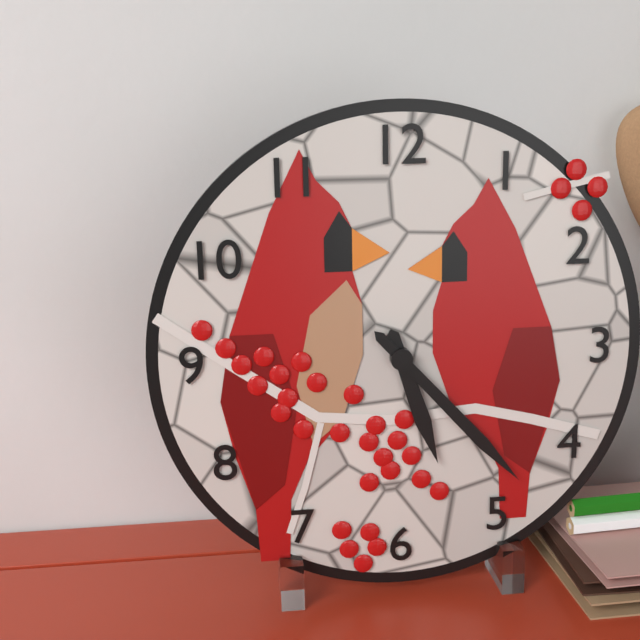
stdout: **5:23**
